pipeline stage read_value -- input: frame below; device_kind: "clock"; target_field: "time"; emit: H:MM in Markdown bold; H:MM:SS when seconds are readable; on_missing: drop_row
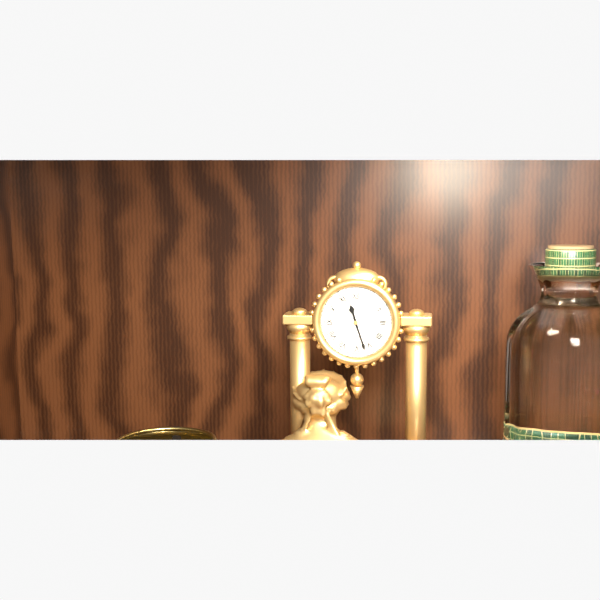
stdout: **11:27**
